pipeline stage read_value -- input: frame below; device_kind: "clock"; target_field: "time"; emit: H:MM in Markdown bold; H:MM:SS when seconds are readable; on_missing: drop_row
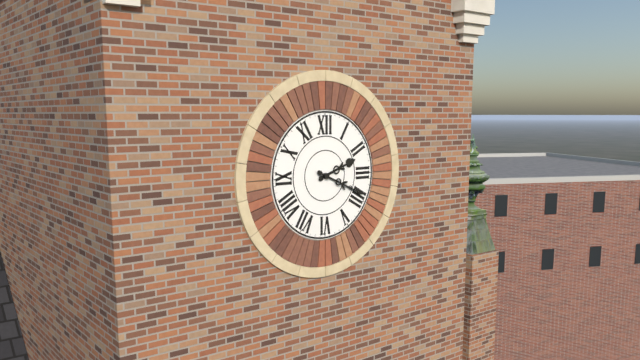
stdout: **2:19**
